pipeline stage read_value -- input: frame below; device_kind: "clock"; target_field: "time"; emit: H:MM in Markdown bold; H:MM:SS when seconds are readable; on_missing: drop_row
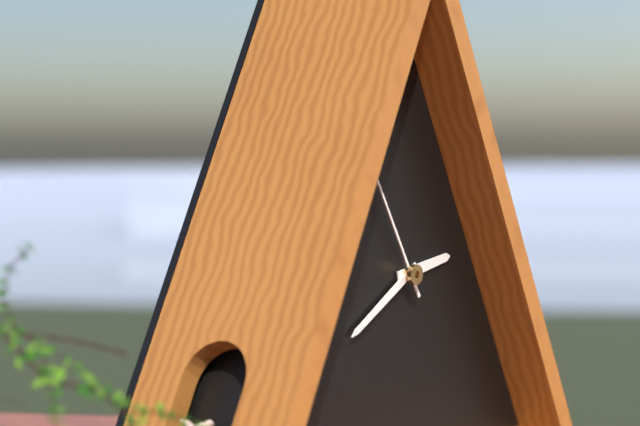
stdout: **2:40:55**
